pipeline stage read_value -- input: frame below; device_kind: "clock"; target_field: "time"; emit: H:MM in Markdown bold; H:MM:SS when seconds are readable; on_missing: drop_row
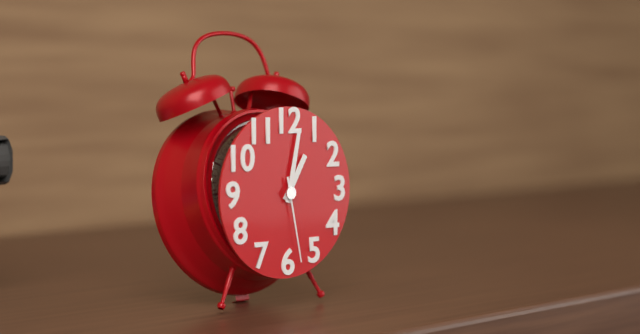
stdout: **1:02:28**
